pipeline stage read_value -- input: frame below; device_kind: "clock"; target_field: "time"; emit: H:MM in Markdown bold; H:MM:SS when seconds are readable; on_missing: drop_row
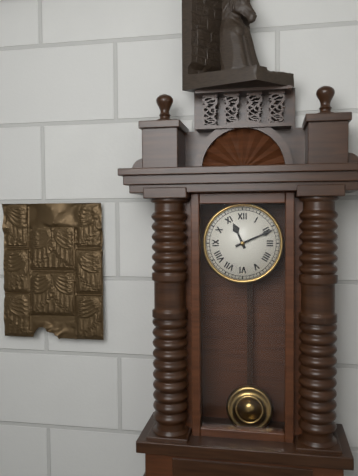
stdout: **11:11**
